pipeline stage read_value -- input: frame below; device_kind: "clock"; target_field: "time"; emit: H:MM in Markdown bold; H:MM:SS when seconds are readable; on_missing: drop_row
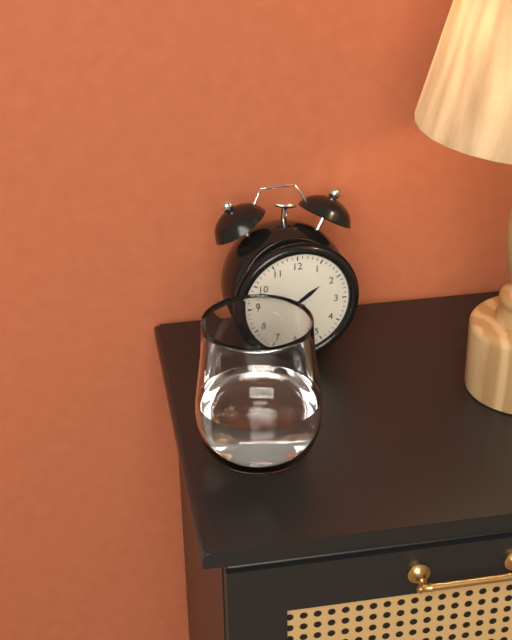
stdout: **1:49**
